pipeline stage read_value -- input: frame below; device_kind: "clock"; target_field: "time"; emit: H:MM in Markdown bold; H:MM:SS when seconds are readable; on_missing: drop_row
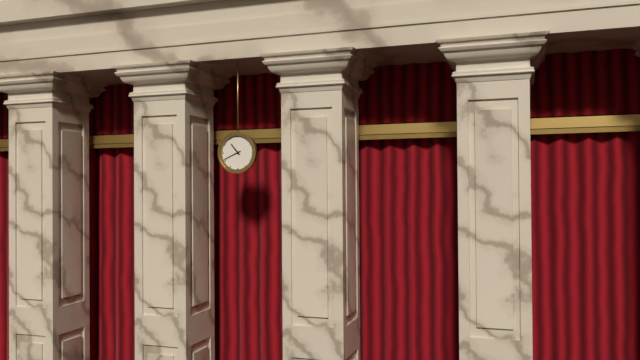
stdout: **10:41**
